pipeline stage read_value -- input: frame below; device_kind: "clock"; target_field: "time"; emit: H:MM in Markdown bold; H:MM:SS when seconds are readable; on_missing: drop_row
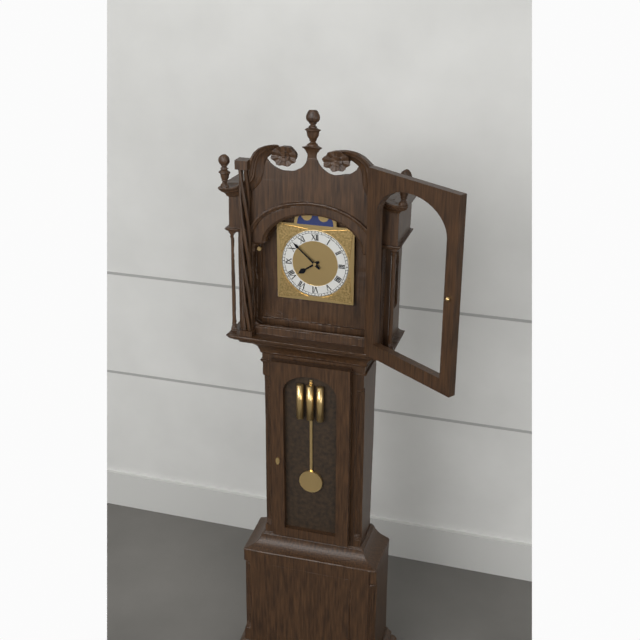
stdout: **7:52**
